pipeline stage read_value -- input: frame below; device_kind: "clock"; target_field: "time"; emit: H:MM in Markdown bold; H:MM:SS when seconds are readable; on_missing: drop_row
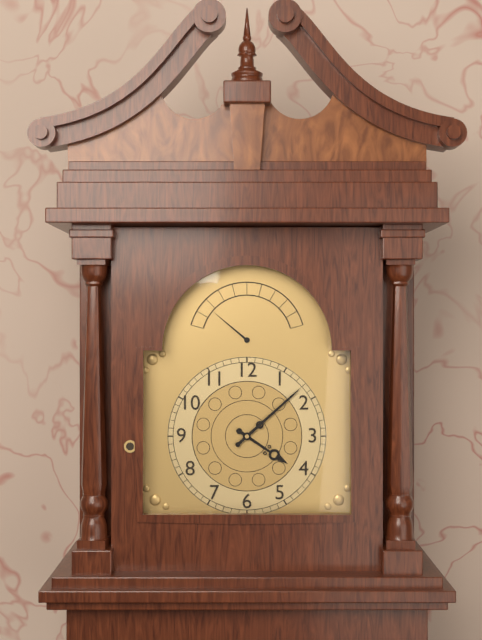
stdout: **4:08**
